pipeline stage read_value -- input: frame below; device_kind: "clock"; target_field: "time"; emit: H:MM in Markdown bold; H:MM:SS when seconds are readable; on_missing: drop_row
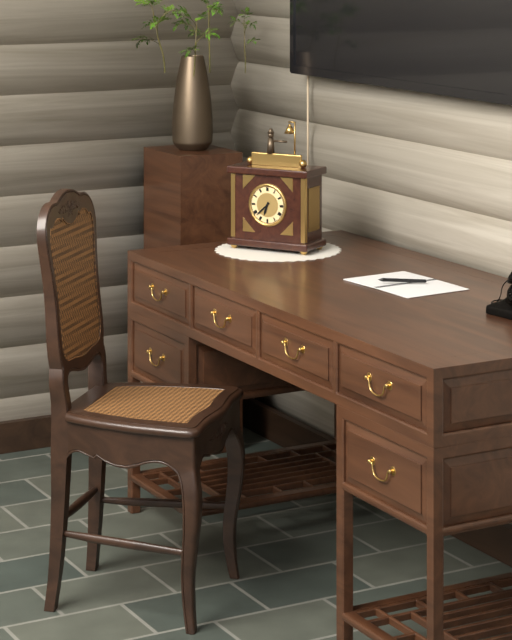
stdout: **6:38**
